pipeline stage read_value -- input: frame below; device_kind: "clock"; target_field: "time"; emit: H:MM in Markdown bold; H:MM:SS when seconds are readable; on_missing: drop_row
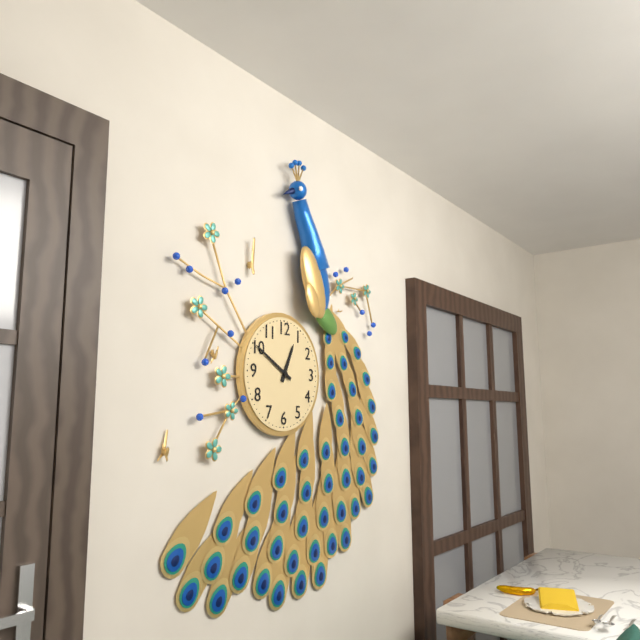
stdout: **12:50**
